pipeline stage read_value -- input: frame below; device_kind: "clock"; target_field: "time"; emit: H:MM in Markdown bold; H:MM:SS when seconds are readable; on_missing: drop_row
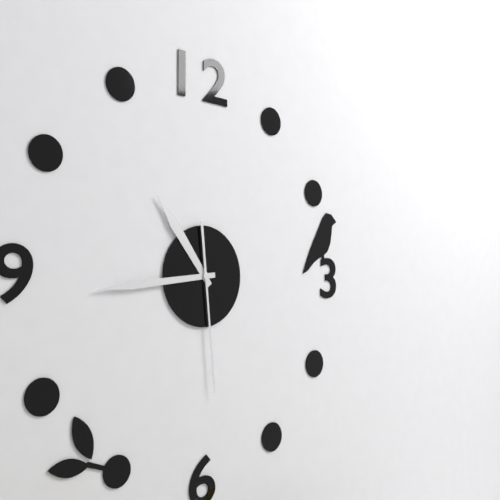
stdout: **10:44:29**
